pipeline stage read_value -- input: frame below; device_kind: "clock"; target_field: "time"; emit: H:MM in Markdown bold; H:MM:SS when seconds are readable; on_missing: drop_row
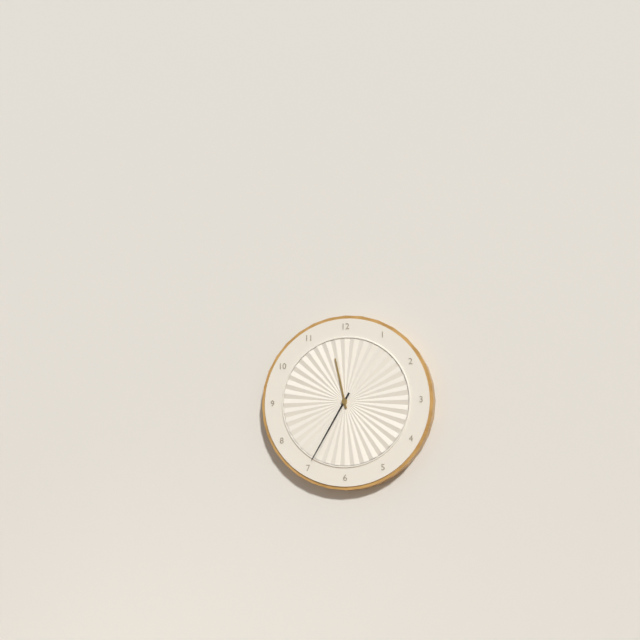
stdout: **11:35**
